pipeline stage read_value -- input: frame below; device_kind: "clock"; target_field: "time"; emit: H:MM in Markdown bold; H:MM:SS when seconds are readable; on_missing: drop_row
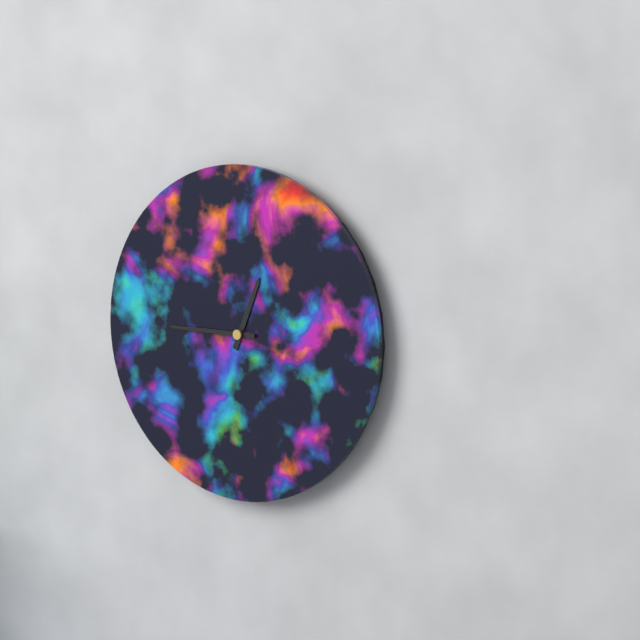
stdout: **12:45**
